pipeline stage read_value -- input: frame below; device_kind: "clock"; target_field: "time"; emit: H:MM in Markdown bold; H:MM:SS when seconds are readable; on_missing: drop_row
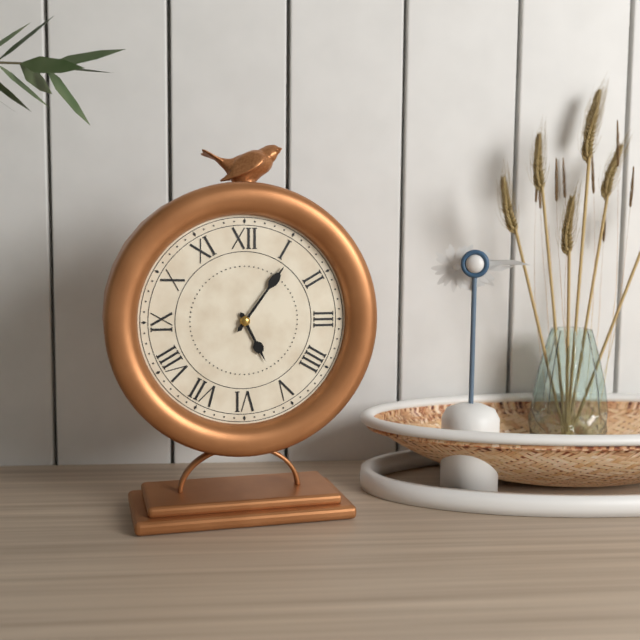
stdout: **5:06**
